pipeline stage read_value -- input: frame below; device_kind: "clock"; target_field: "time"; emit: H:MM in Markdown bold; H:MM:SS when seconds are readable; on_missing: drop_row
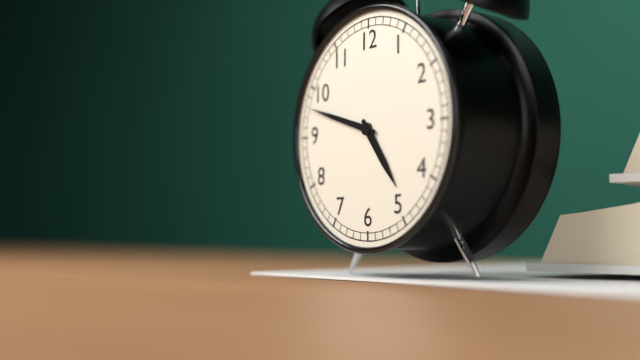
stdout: **4:48**
